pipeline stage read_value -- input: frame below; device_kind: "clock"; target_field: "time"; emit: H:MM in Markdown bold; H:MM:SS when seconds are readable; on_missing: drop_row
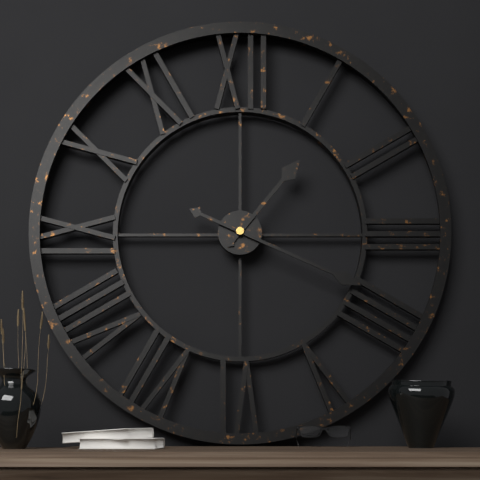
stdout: **1:19**
